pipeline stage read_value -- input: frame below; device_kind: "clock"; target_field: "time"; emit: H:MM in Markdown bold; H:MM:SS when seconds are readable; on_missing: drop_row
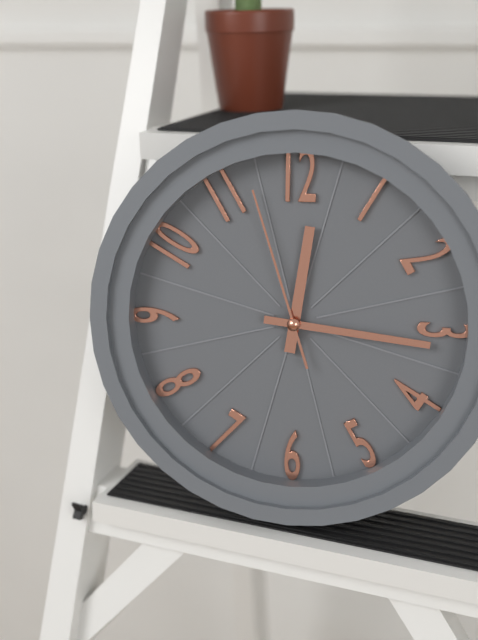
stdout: **12:16:57**
